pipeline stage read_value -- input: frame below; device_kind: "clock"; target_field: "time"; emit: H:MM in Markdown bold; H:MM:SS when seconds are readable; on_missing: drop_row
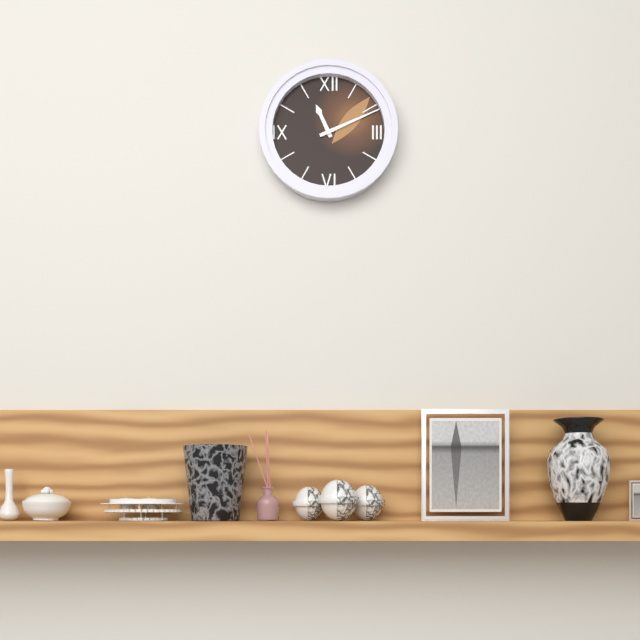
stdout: **11:11**
